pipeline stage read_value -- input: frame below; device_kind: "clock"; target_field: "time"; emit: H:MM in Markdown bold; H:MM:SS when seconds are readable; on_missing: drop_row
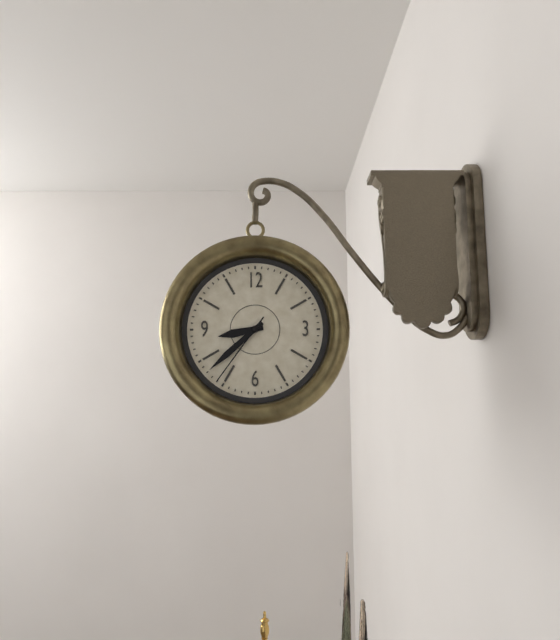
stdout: **8:38:36**
